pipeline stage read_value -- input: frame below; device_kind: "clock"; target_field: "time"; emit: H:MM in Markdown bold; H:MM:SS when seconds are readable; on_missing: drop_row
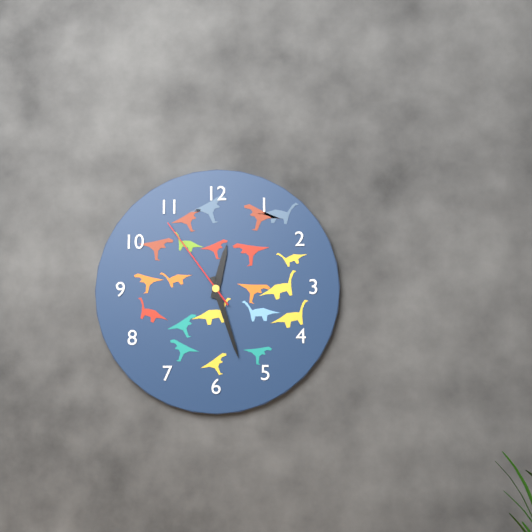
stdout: **12:27:54**
